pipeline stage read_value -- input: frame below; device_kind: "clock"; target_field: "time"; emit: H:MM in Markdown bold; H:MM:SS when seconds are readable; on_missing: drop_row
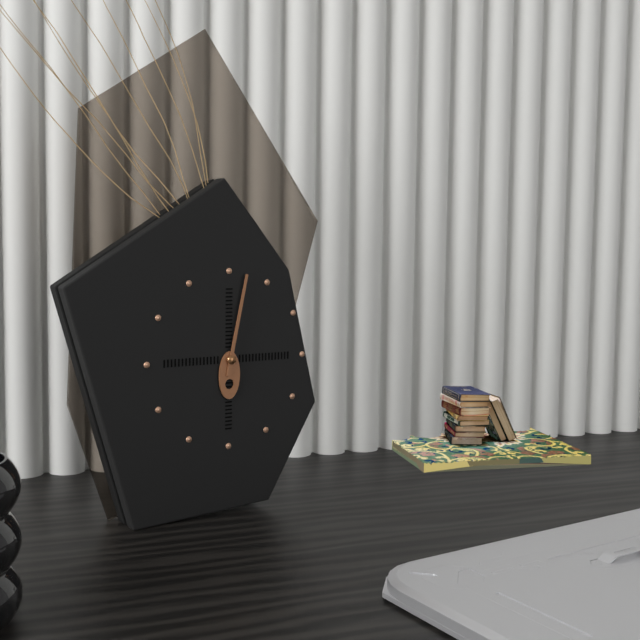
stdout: **6:02**
